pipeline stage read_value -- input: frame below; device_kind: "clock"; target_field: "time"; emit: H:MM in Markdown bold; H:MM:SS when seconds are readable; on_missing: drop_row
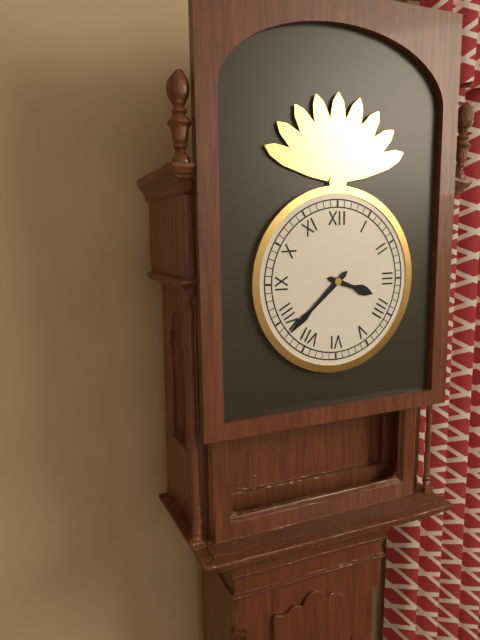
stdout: **3:38**
